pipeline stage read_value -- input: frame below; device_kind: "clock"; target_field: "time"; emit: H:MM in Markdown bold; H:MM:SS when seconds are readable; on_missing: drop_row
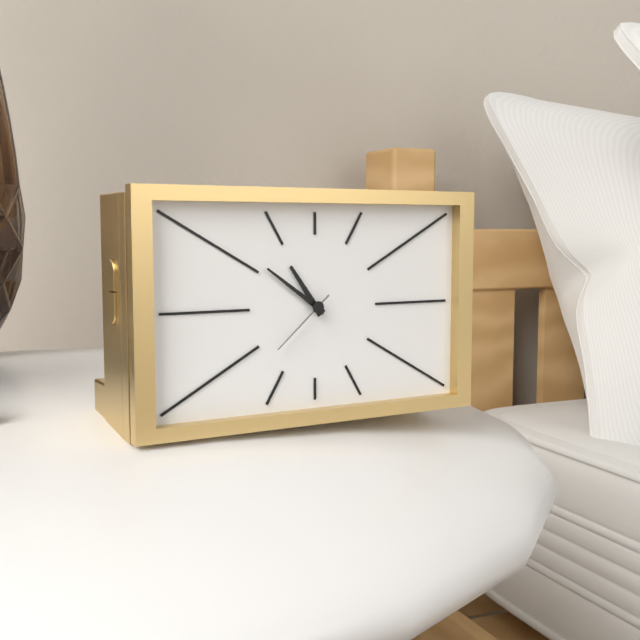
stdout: **10:51:38**
